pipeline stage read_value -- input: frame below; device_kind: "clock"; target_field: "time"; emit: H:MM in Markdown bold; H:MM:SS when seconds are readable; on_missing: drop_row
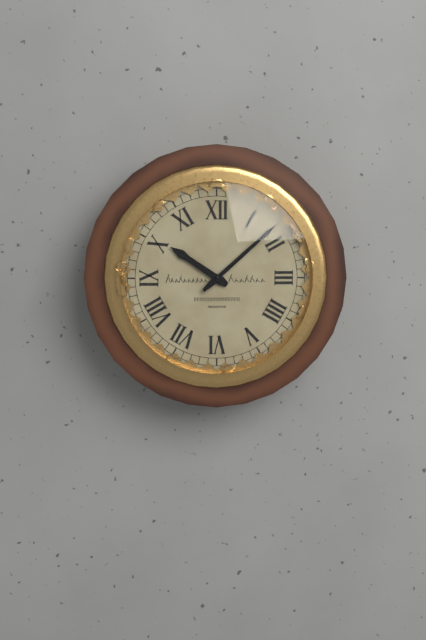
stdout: **10:08**
